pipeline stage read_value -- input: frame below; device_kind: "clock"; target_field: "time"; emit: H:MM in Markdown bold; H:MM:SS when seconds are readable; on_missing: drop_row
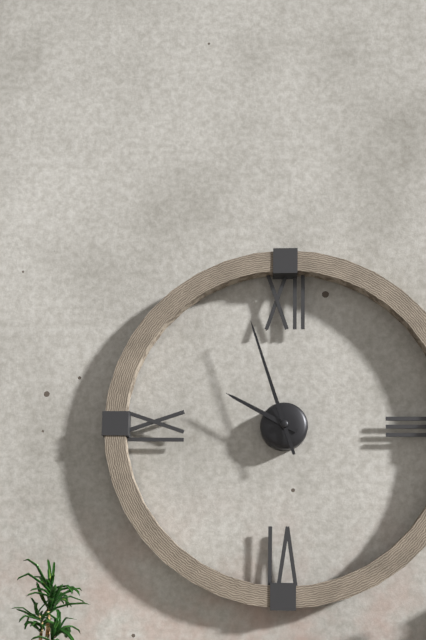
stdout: **9:57**
